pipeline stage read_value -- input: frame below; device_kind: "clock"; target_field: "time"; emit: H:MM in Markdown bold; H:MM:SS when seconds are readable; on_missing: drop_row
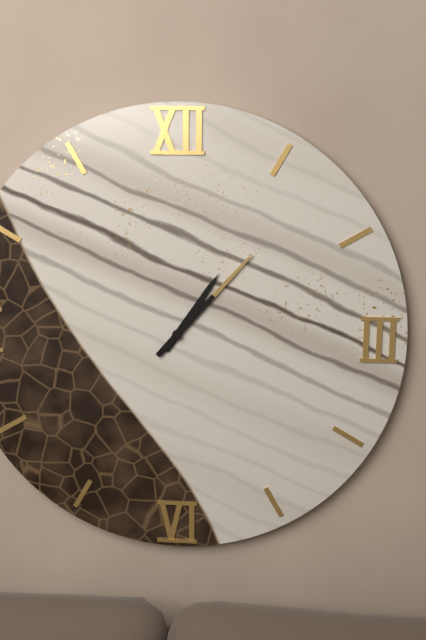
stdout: **1:07**
